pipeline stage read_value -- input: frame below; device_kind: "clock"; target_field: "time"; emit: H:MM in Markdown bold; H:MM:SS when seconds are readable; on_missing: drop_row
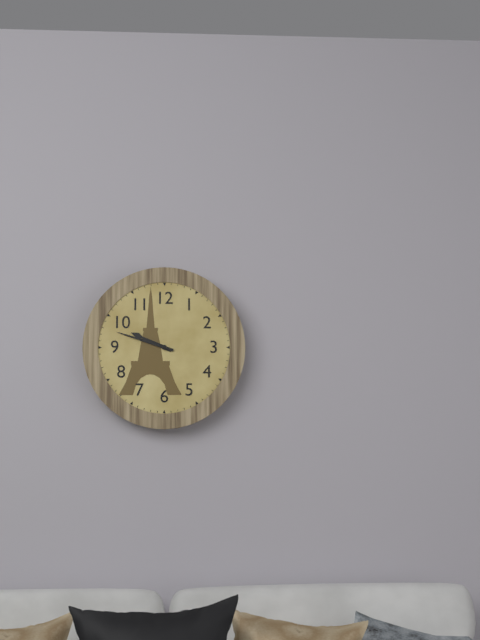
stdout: **9:48**
